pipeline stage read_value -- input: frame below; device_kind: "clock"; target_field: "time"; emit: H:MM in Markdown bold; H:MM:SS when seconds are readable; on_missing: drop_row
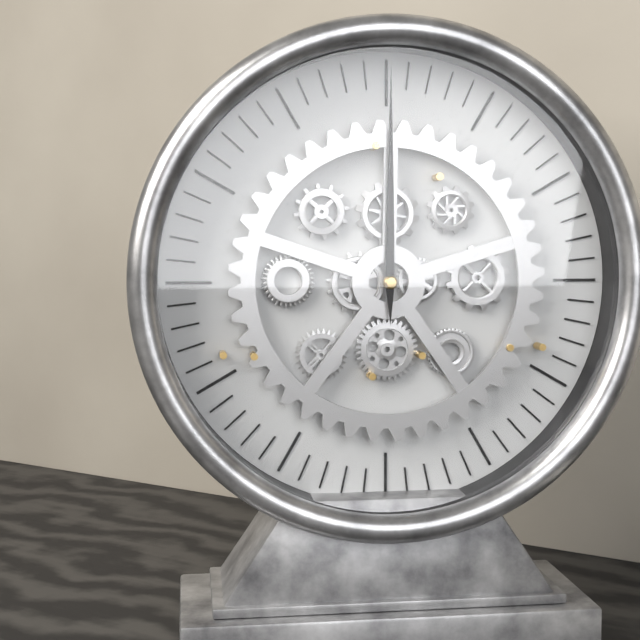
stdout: **12:00**
